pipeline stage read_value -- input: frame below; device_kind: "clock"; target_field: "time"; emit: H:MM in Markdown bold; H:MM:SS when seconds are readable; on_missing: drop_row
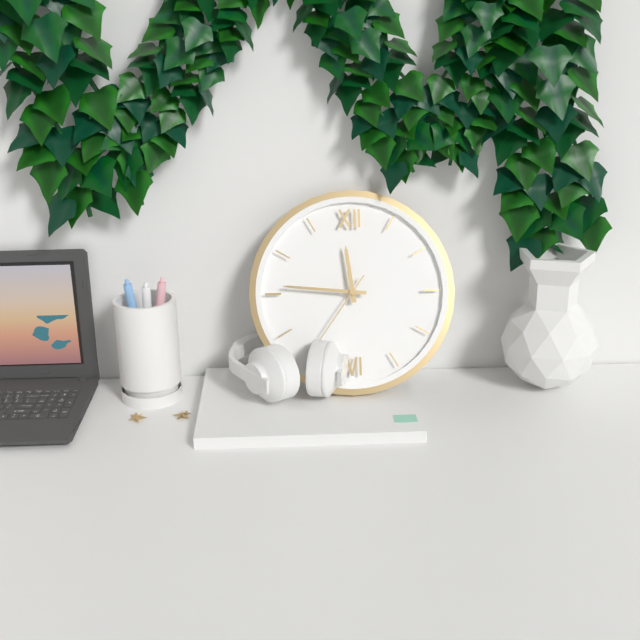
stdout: **11:46:36**
